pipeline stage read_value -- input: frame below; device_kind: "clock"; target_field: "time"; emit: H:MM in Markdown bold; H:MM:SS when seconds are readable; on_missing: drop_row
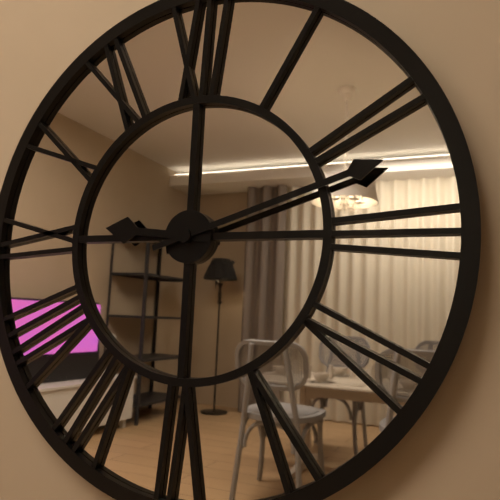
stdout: **9:12**
